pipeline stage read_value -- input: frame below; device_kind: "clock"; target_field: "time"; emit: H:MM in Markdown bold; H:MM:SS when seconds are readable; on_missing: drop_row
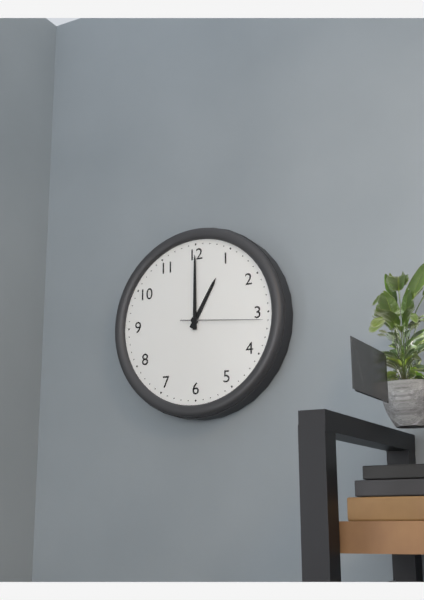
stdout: **1:00:16**
